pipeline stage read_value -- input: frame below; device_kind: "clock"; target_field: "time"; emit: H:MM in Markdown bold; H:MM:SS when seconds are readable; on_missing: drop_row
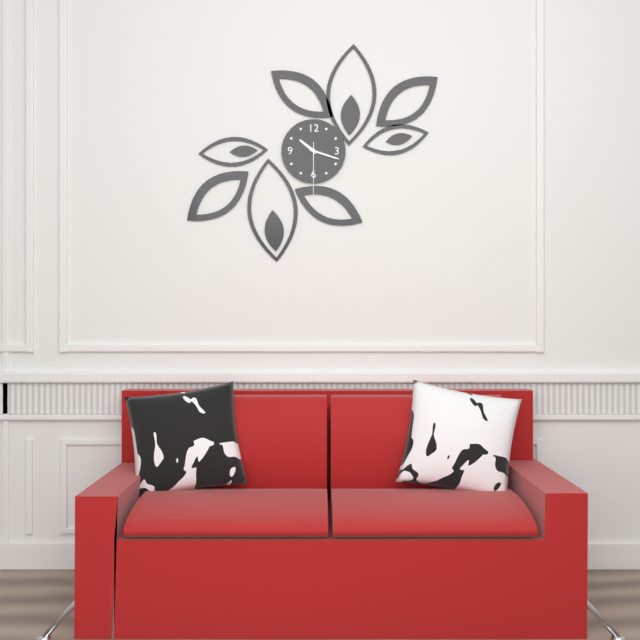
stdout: **10:18:30**
